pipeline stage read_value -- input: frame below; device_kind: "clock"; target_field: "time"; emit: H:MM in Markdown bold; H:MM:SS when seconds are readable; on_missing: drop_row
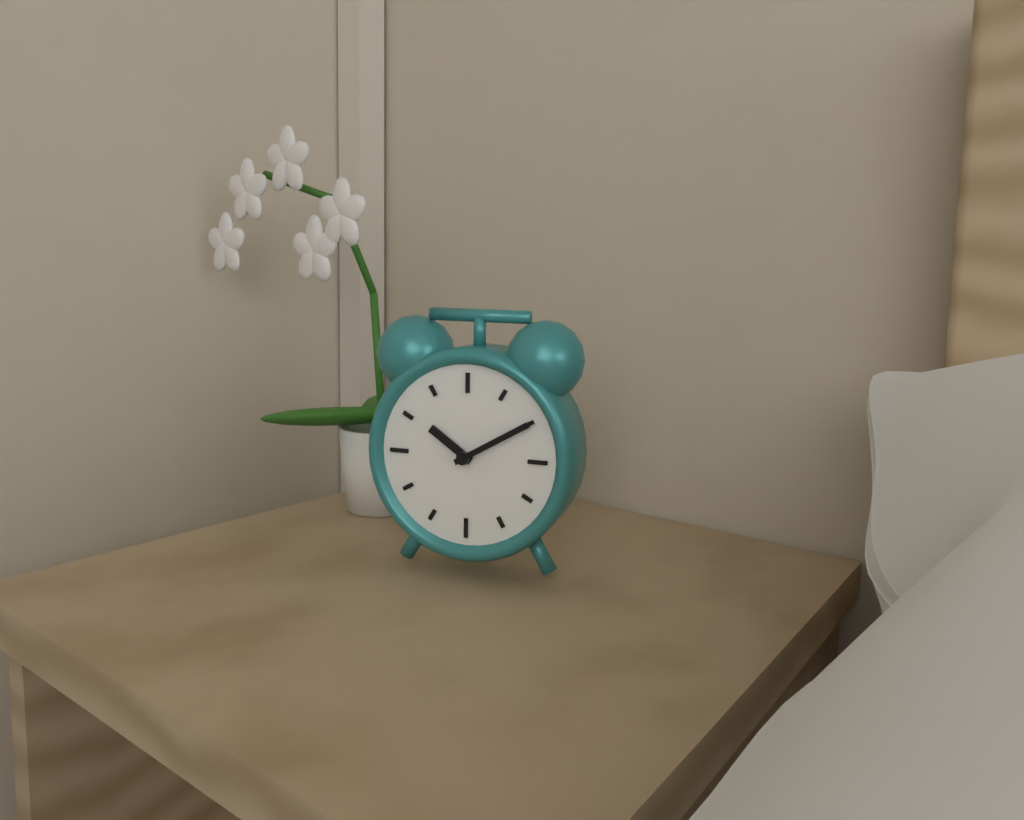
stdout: **10:10**
